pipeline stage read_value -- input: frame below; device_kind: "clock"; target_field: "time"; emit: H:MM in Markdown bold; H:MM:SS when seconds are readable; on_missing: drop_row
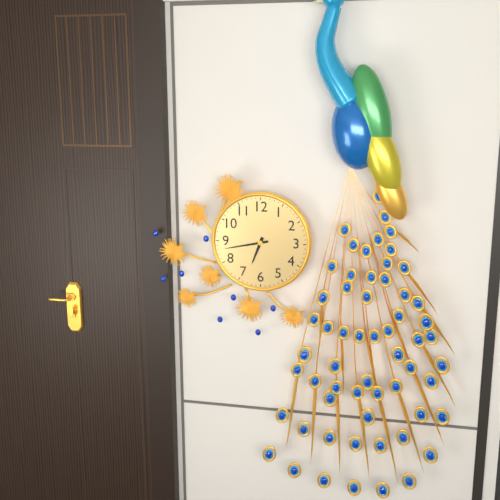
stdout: **6:43**
